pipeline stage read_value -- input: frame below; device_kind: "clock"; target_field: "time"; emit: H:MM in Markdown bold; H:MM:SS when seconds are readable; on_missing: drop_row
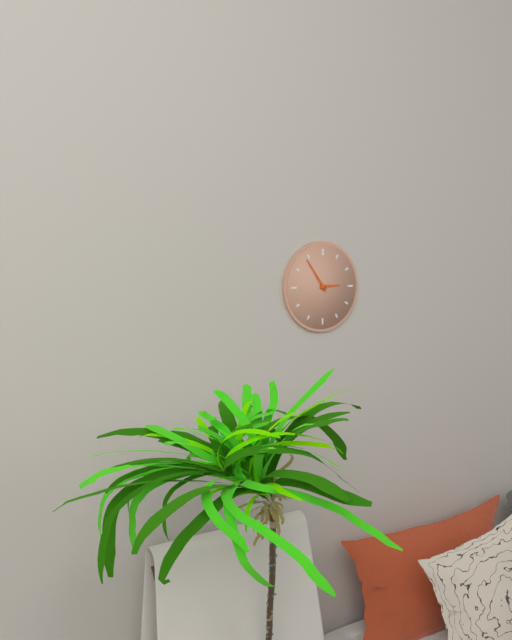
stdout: **2:54**
